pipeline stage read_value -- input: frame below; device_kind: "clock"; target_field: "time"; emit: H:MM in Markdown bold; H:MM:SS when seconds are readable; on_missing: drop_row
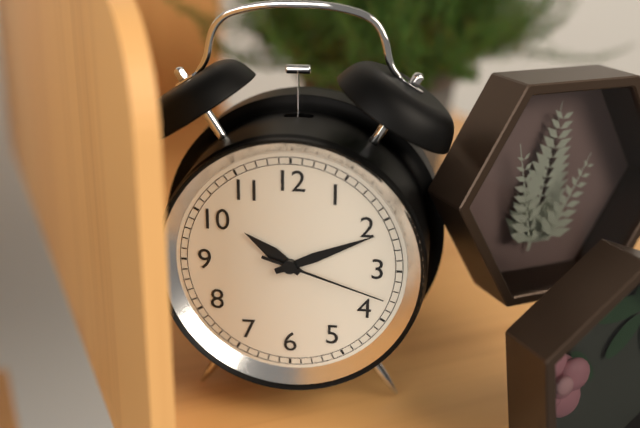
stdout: **10:11:18**
